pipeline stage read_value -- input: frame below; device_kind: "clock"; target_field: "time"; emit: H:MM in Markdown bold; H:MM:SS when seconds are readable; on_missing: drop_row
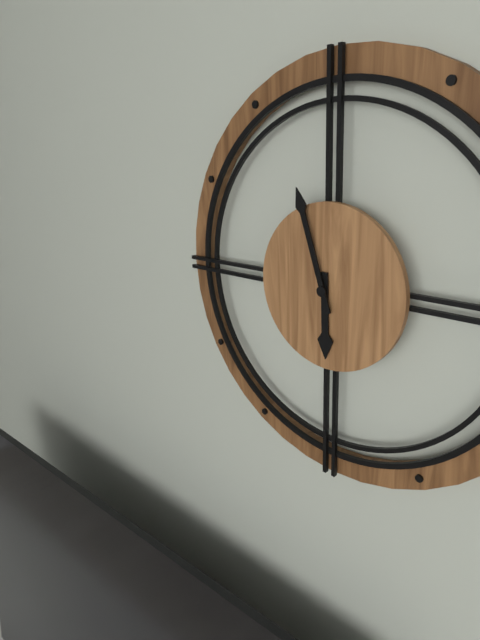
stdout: **5:57**
